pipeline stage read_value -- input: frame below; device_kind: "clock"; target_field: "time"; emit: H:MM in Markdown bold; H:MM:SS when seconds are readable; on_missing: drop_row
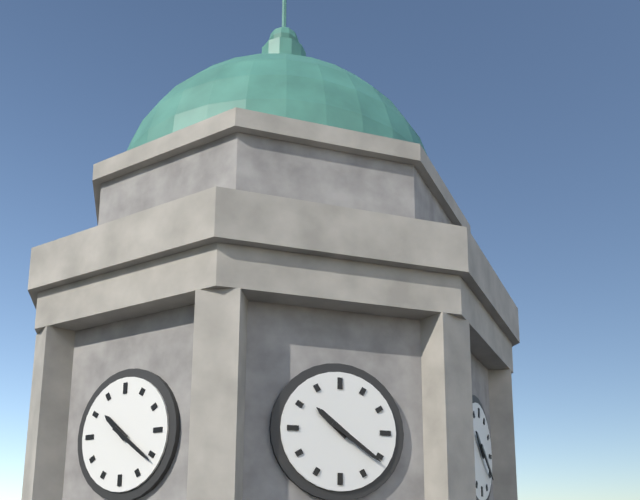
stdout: **10:21**
